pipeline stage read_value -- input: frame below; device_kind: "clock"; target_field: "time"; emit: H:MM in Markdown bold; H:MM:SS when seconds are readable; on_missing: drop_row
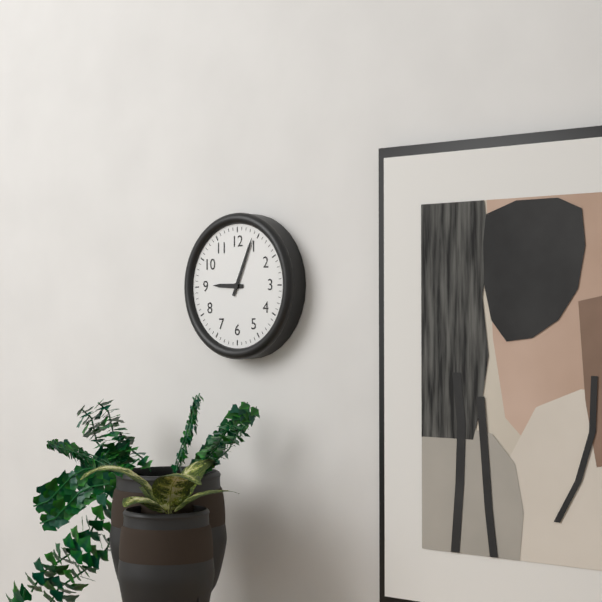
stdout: **9:04**
